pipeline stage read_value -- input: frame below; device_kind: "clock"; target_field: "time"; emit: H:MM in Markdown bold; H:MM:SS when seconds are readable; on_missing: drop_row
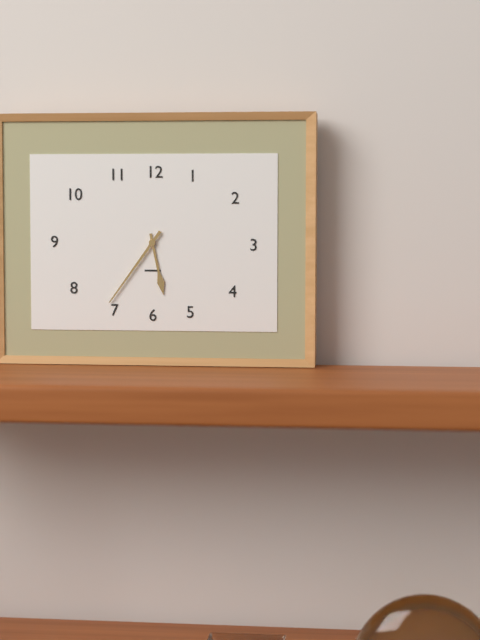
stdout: **5:36**
